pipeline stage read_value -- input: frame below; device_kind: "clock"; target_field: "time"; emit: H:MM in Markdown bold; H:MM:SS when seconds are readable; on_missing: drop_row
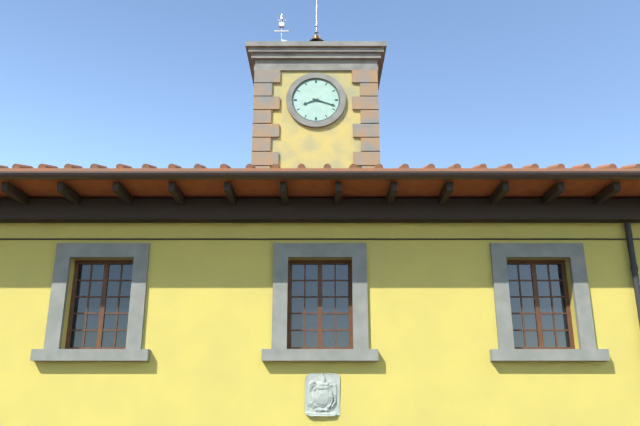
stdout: **8:18**
